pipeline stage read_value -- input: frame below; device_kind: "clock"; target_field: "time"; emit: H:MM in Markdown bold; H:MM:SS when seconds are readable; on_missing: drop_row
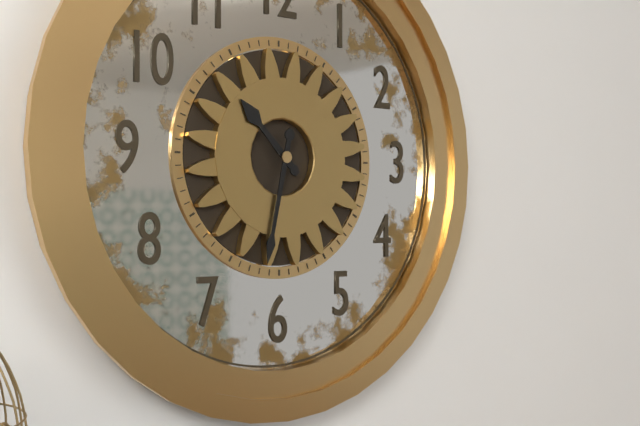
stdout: **10:32**
